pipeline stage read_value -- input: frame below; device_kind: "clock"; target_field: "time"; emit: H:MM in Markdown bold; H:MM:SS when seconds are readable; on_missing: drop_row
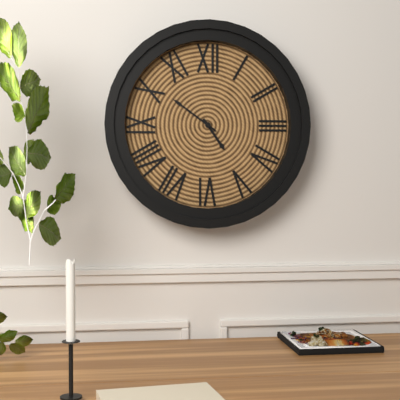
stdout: **4:51**
